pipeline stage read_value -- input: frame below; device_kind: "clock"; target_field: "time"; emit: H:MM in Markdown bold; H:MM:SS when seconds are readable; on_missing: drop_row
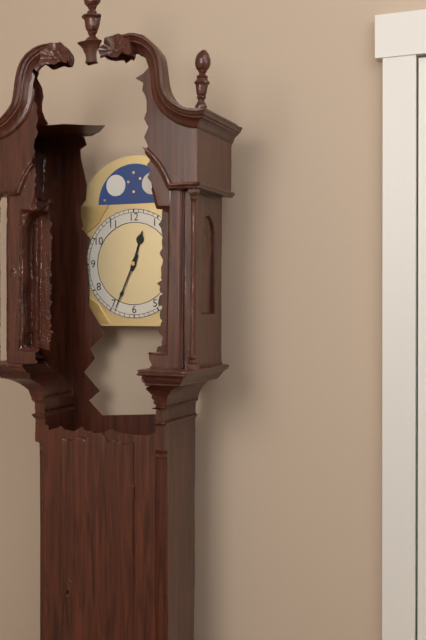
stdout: **12:34**
